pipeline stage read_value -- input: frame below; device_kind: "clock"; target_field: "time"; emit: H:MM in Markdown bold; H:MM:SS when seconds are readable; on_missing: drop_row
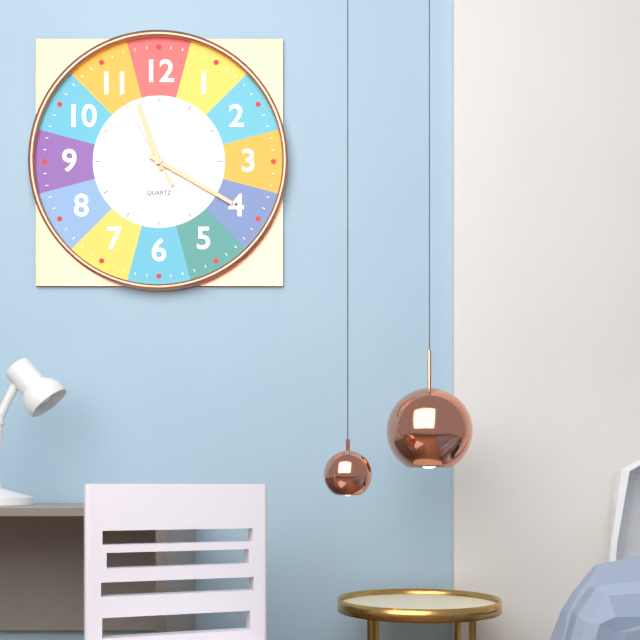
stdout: **11:20:55**
